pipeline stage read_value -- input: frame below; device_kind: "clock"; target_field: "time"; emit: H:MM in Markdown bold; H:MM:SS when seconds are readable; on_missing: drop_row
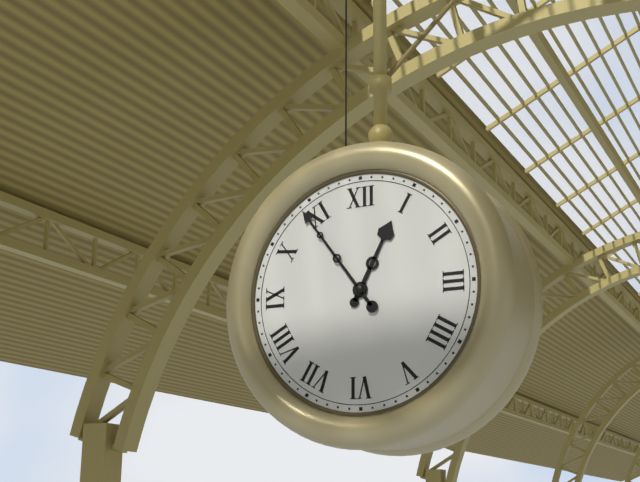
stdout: **12:54**
